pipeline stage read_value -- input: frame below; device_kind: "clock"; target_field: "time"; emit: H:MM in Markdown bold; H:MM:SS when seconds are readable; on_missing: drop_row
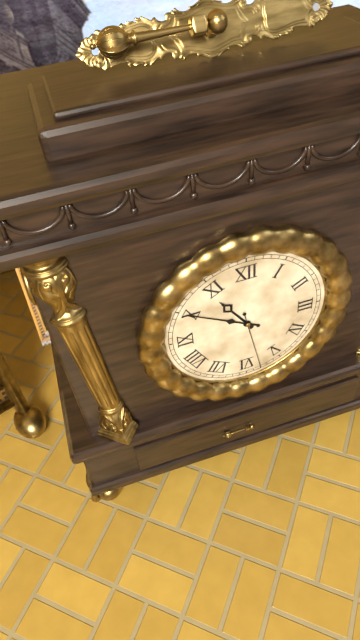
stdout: **10:50:28**
